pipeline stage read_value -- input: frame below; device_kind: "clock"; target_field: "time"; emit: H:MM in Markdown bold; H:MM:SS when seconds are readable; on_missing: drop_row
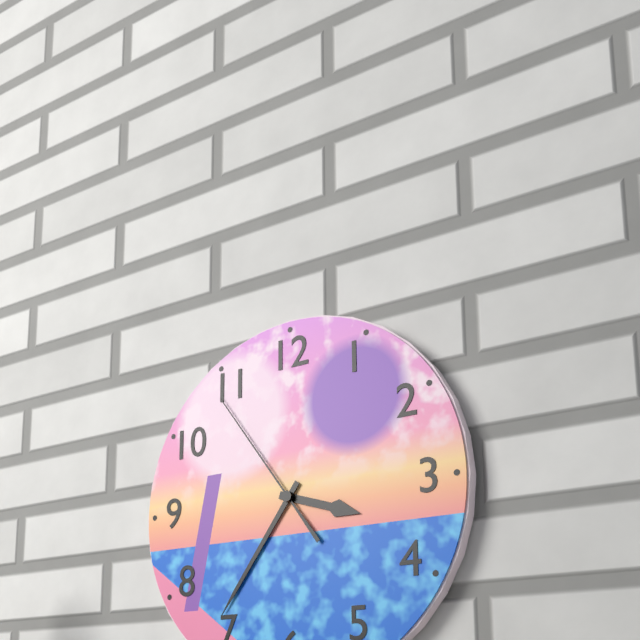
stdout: **3:36:54**
